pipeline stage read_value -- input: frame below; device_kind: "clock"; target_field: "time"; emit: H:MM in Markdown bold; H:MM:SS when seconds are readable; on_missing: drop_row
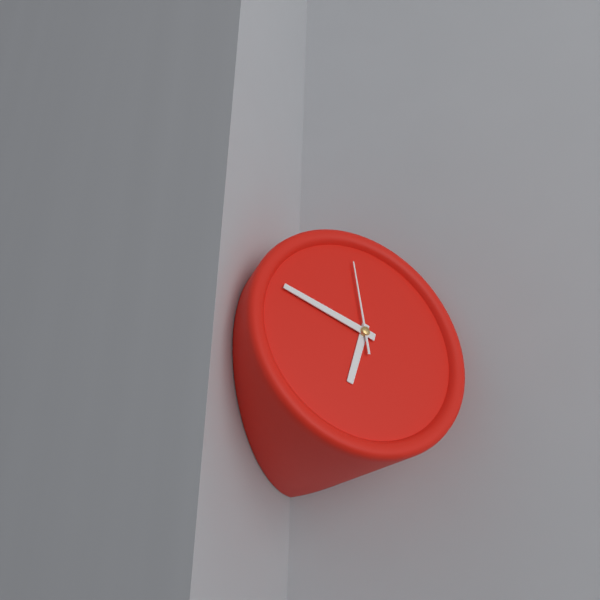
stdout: **6:49:00**
